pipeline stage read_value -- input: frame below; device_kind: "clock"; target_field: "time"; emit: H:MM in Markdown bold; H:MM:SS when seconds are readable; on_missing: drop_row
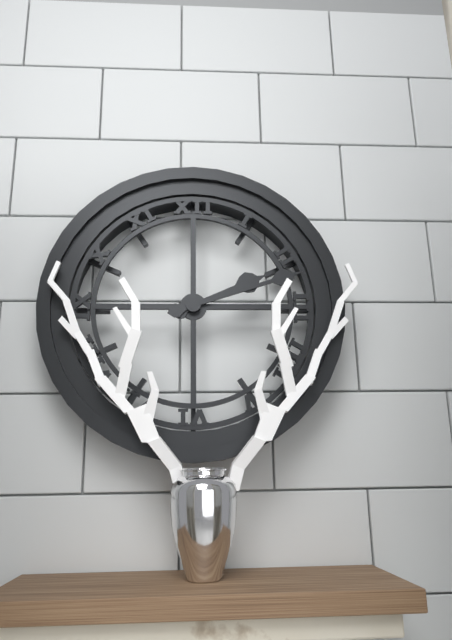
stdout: **2:12**
